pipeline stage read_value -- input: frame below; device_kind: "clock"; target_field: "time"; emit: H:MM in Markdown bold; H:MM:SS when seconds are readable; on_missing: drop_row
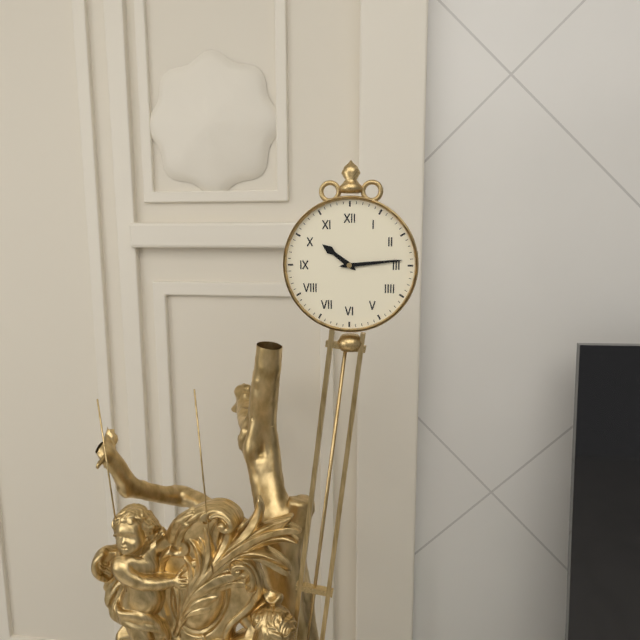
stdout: **10:14**
